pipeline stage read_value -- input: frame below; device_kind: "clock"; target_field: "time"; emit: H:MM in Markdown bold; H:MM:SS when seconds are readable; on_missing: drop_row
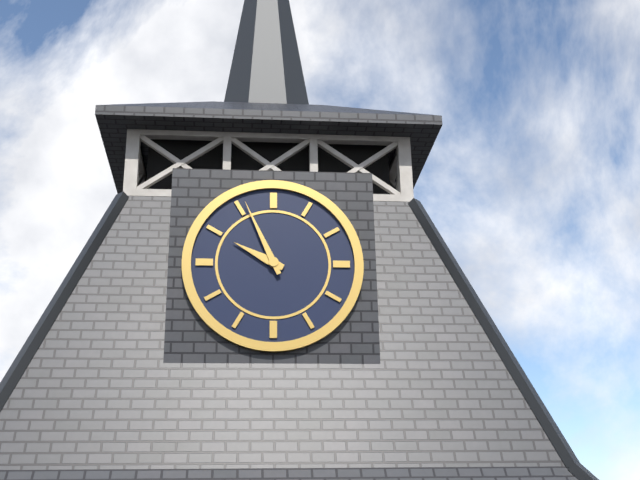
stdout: **9:56**
